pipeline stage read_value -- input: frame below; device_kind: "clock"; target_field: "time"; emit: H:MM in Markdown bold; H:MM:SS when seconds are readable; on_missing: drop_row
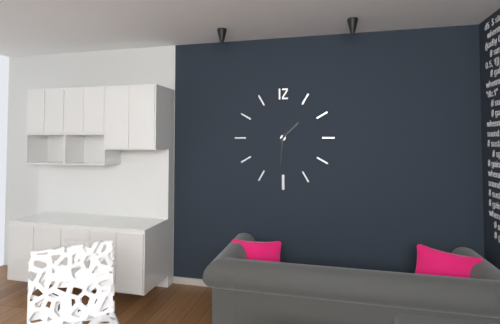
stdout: **1:31**
